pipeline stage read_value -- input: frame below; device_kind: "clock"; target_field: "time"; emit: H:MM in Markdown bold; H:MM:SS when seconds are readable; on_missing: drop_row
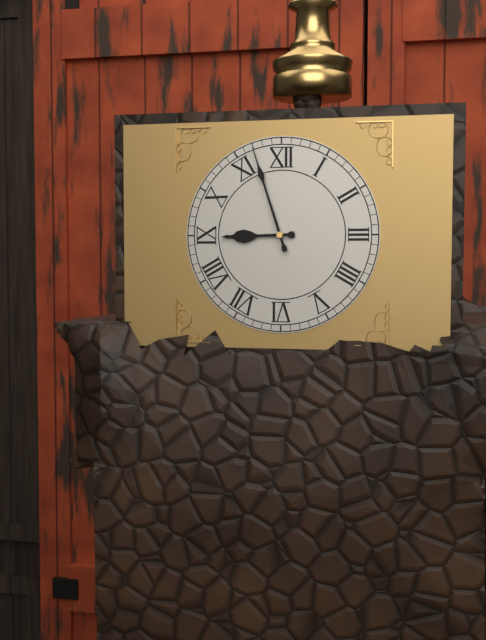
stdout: **8:57**
